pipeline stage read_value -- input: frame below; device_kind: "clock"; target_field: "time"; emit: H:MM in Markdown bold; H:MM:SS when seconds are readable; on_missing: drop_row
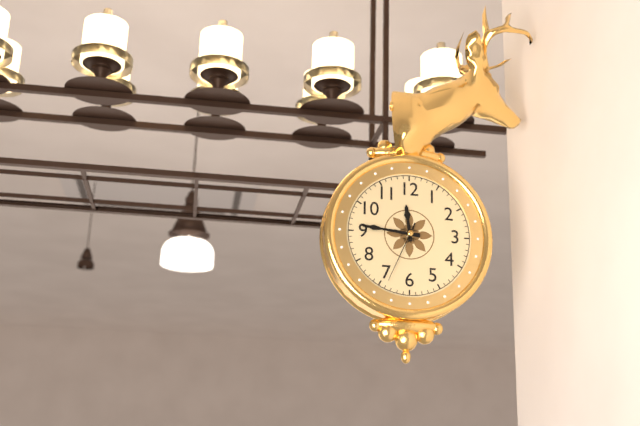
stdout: **11:46:34**
